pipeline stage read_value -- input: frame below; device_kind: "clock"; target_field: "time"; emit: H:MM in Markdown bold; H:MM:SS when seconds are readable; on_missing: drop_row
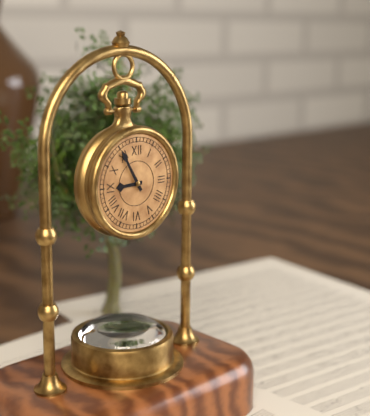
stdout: **8:55**
